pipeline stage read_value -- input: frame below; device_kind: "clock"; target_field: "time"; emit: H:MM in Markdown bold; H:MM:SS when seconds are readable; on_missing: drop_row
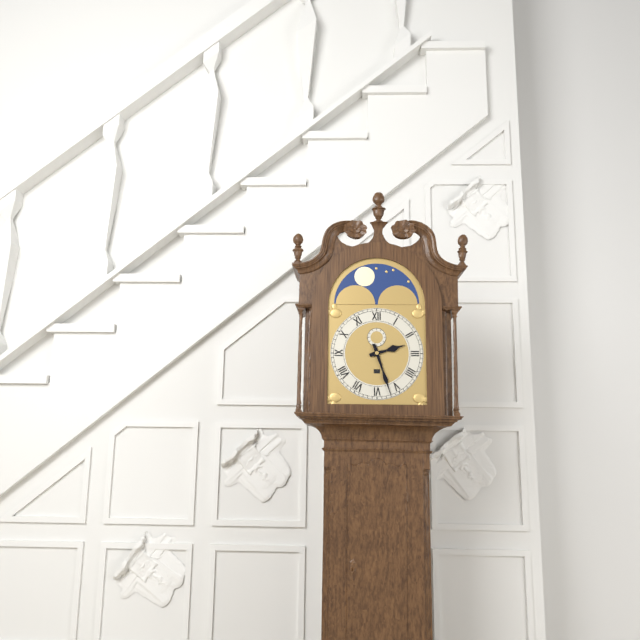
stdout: **2:27**
